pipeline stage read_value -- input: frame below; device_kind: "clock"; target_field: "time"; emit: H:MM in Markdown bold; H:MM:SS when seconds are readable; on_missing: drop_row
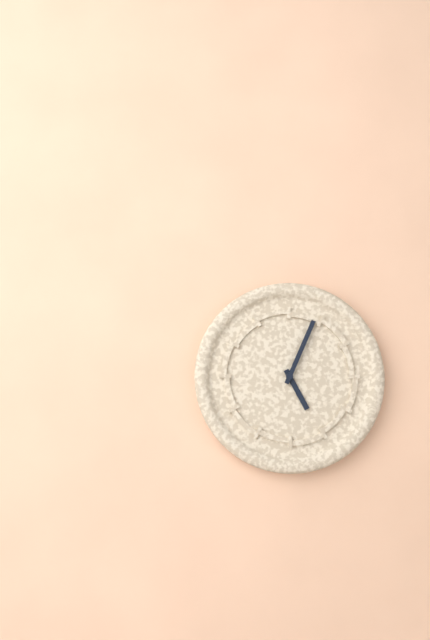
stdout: **5:04**
